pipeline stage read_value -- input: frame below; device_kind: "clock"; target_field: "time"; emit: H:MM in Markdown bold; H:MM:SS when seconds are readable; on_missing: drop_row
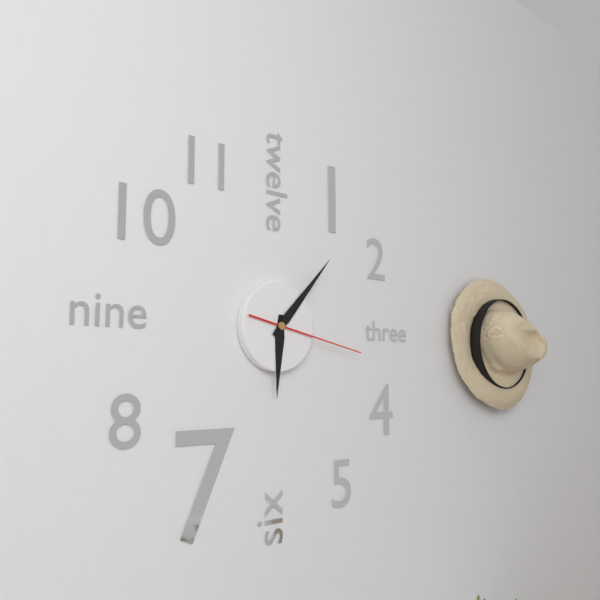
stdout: **6:07:17**
